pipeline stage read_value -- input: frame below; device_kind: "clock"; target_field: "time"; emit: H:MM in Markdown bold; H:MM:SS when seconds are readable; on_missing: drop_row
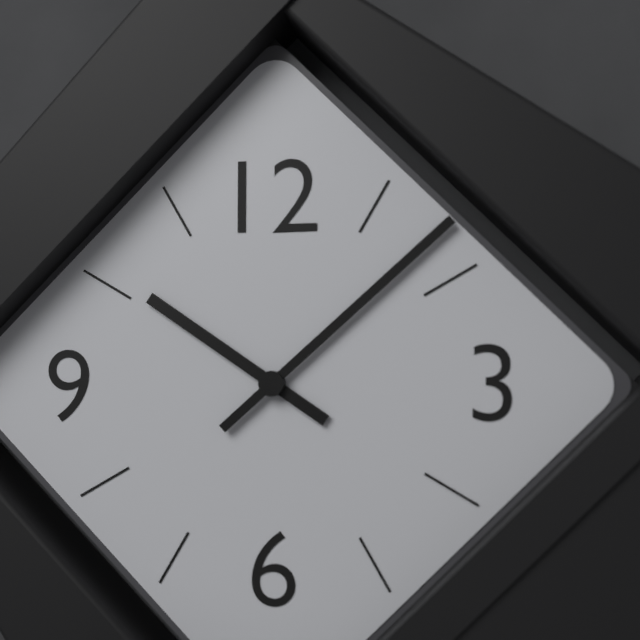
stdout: **10:08**
